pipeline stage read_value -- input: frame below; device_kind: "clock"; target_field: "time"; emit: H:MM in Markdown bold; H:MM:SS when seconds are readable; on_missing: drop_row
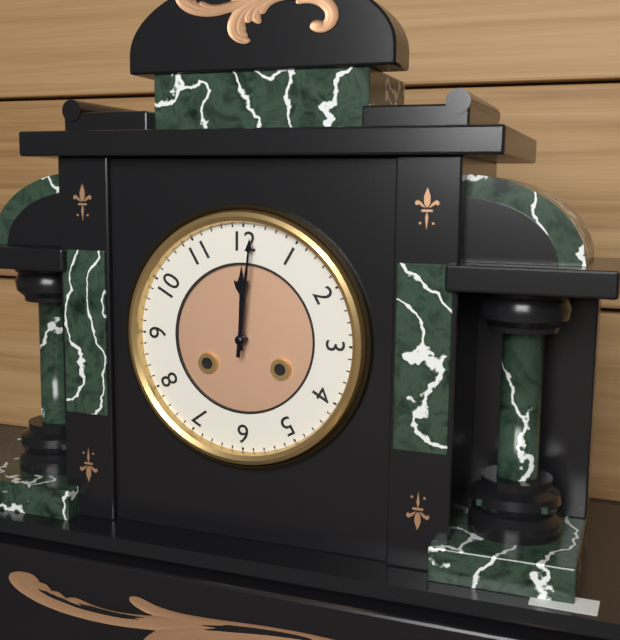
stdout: **12:01**
